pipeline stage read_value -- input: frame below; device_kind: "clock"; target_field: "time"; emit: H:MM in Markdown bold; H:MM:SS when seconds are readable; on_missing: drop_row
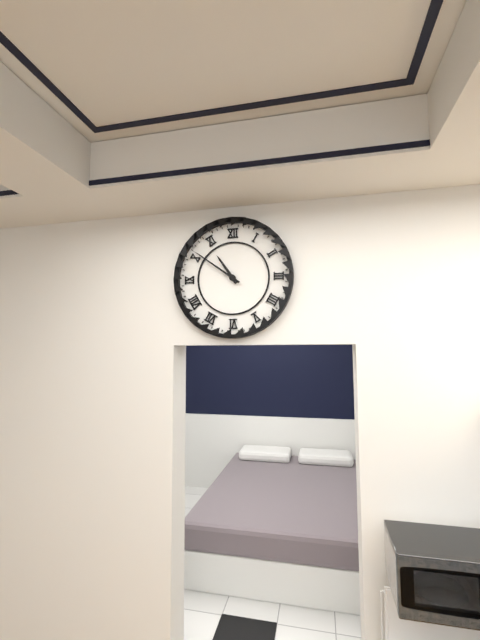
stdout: **10:51**
